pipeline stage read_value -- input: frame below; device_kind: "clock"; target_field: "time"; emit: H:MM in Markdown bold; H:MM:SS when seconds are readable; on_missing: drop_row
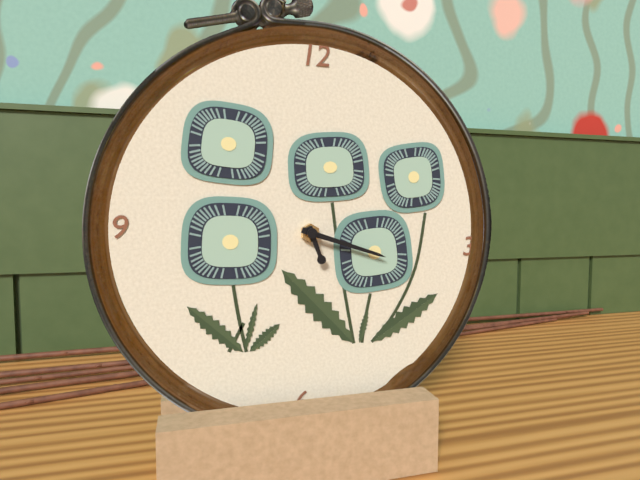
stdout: **5:18**
